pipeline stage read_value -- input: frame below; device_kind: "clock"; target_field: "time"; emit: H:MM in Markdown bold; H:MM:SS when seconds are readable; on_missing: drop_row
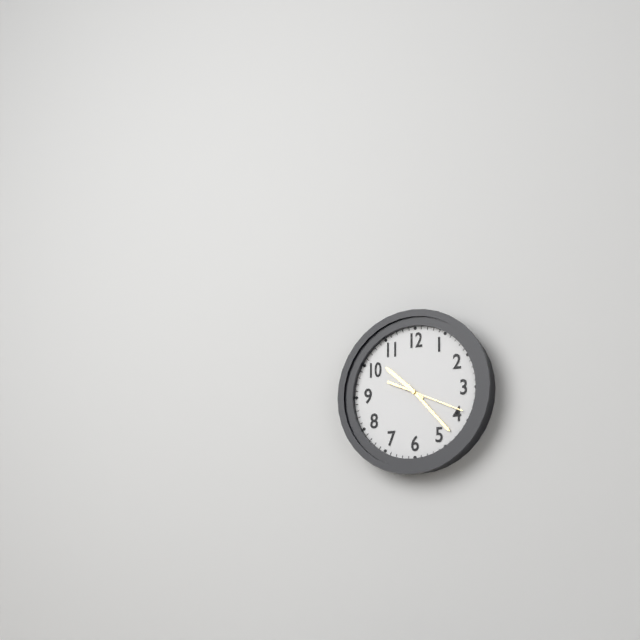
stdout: **10:23:19**
